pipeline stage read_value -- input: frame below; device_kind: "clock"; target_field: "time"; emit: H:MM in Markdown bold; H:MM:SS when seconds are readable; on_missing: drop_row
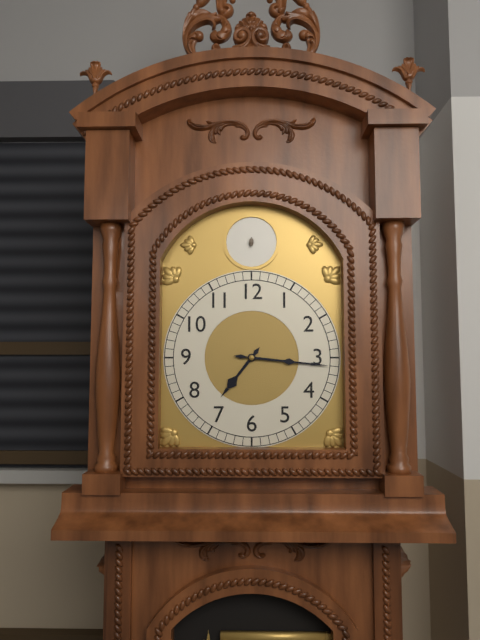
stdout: **7:16**
